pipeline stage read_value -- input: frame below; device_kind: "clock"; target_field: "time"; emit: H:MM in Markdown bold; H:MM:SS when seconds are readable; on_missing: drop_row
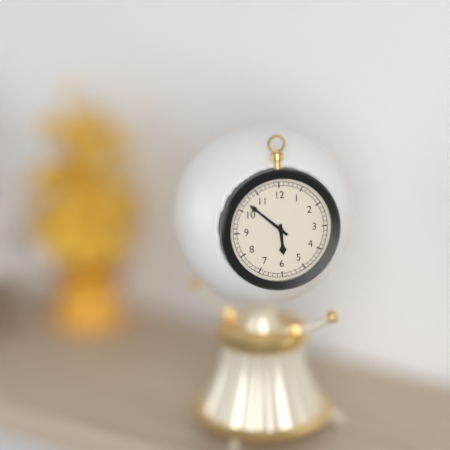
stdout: **5:52**
